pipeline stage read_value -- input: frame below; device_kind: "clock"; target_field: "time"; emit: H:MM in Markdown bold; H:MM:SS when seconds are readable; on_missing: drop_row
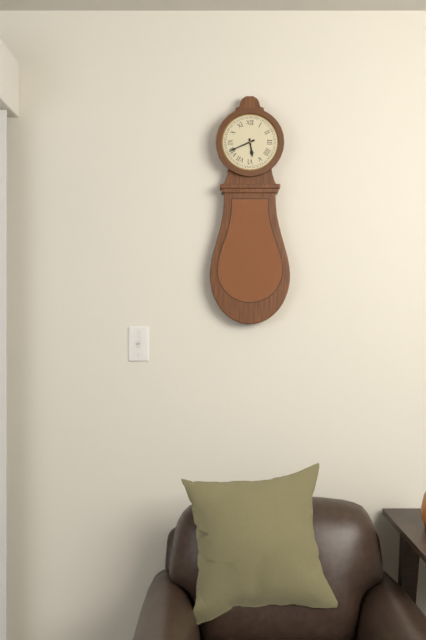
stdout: **5:41**
